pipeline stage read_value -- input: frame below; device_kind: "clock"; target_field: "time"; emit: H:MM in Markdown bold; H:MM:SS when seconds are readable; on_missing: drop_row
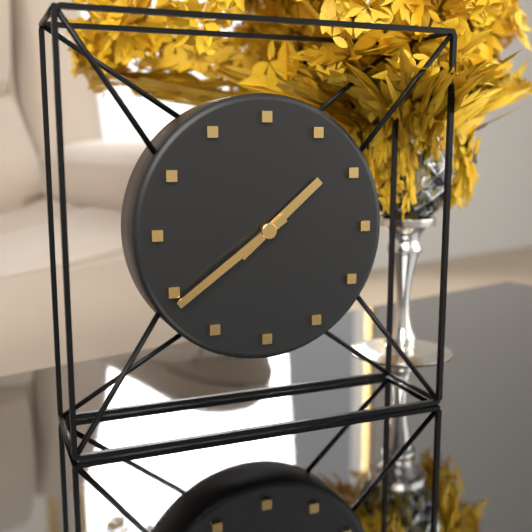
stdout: **1:39**
